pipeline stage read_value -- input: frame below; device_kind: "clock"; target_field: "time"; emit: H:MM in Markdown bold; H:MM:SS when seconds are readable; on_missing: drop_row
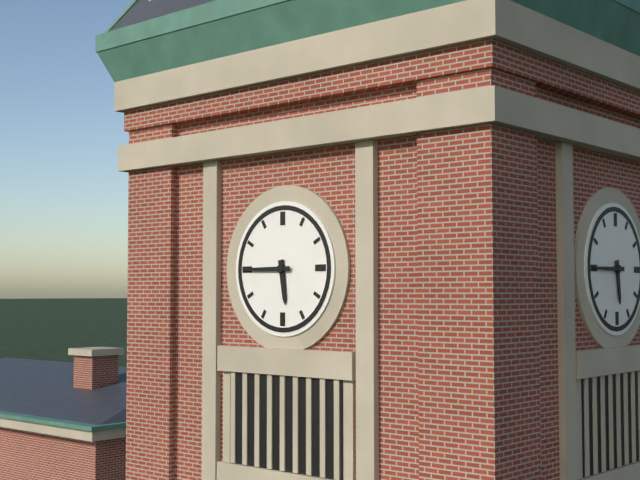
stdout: **5:45**
